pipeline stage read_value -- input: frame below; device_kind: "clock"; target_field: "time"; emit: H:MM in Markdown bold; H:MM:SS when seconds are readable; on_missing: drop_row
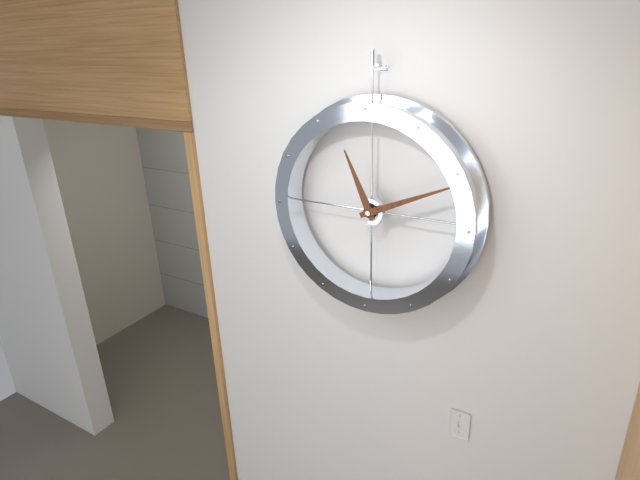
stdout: **11:11**
